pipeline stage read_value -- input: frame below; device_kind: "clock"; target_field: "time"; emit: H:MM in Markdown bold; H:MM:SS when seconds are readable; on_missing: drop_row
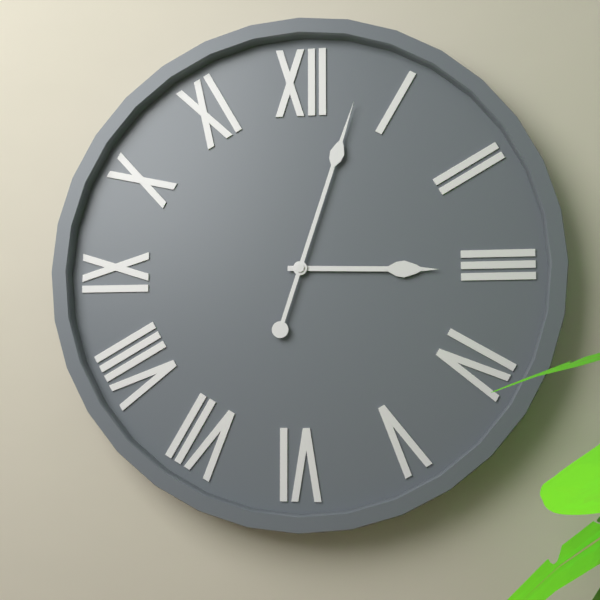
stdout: **3:03**
